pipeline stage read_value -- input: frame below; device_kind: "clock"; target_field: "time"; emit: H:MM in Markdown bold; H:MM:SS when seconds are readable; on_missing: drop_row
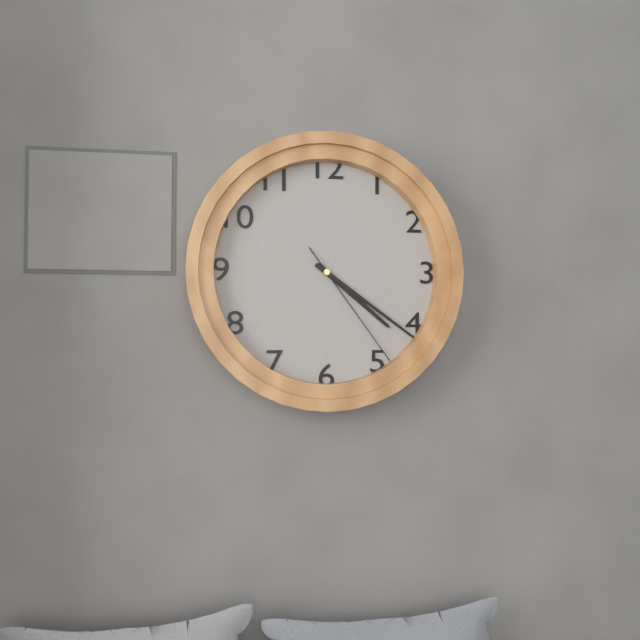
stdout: **4:21:24**
